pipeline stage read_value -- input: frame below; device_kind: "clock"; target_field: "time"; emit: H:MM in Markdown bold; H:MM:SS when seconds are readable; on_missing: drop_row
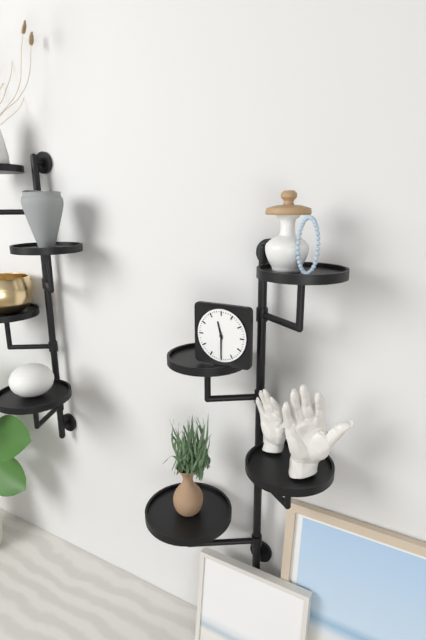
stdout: **11:30**
